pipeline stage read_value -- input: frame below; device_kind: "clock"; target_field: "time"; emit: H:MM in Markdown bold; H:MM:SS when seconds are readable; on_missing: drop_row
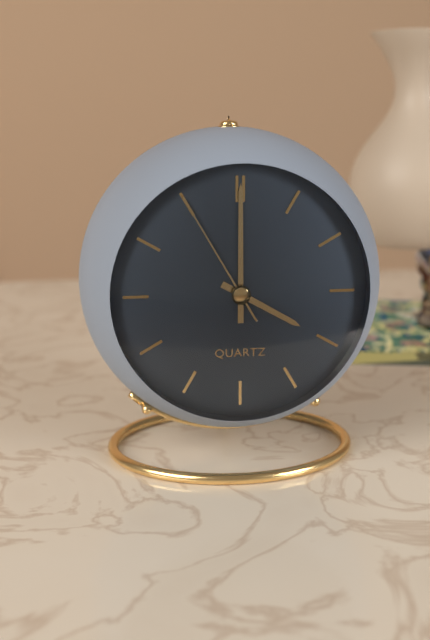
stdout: **4:00:55**
